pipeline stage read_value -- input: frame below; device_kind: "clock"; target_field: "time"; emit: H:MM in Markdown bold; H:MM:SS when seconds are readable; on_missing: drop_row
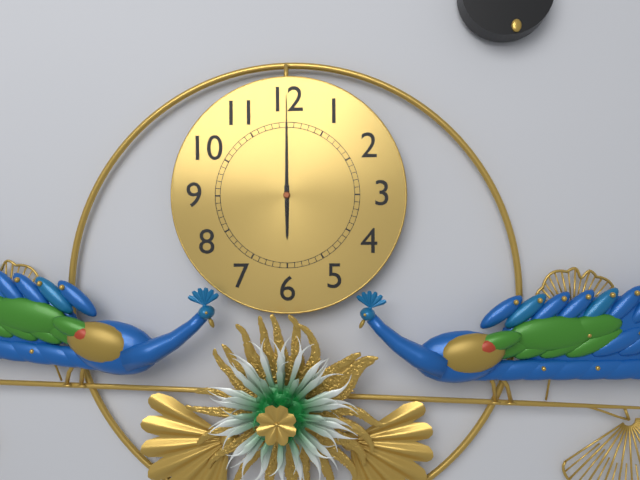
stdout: **6:00:00**
